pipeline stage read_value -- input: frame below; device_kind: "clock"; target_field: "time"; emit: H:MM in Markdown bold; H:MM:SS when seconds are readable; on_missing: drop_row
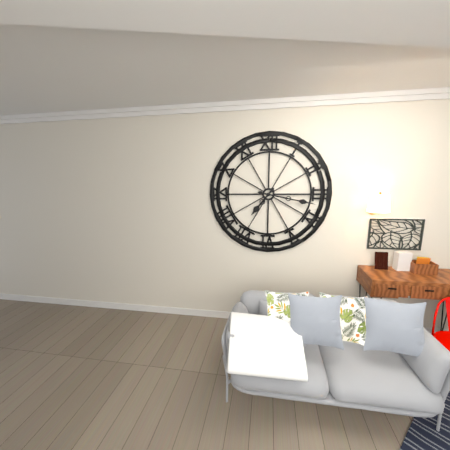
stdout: **7:17**
